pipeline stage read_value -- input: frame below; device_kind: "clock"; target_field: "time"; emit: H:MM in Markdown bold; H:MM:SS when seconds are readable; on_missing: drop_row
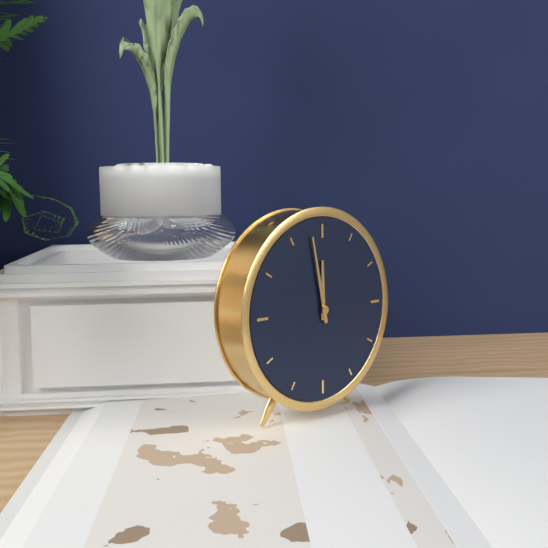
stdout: **11:58**
